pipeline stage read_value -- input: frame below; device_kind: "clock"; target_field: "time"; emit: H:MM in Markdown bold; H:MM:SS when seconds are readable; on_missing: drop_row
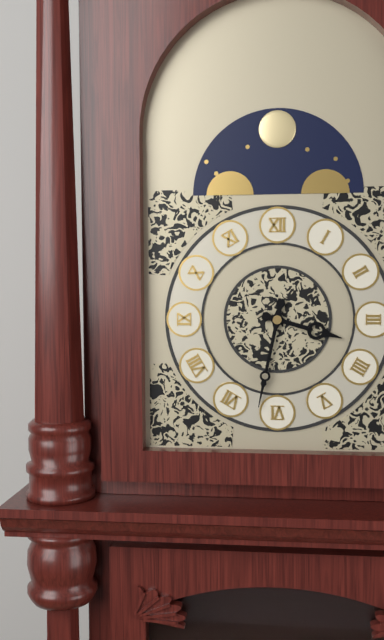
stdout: **3:32**
